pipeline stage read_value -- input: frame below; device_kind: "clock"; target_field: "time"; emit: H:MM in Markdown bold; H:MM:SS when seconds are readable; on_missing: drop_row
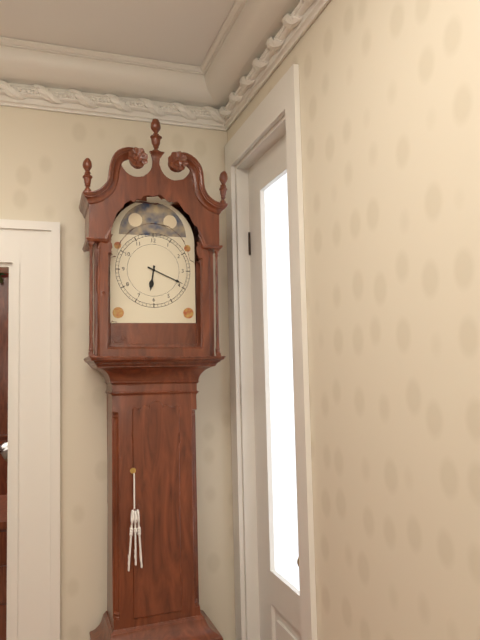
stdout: **6:19**
